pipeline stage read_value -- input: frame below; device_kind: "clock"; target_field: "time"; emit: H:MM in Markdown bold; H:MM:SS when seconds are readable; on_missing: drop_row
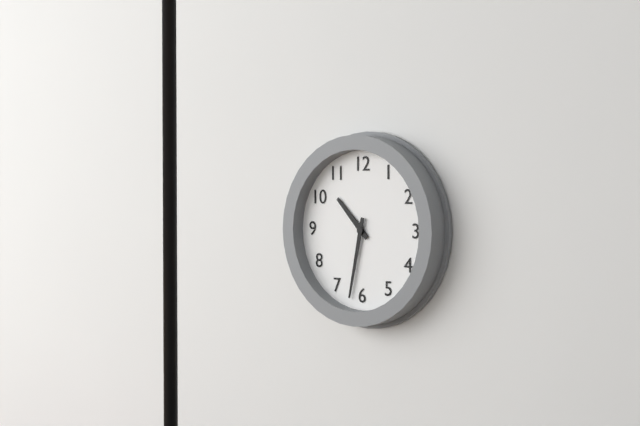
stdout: **10:32**
